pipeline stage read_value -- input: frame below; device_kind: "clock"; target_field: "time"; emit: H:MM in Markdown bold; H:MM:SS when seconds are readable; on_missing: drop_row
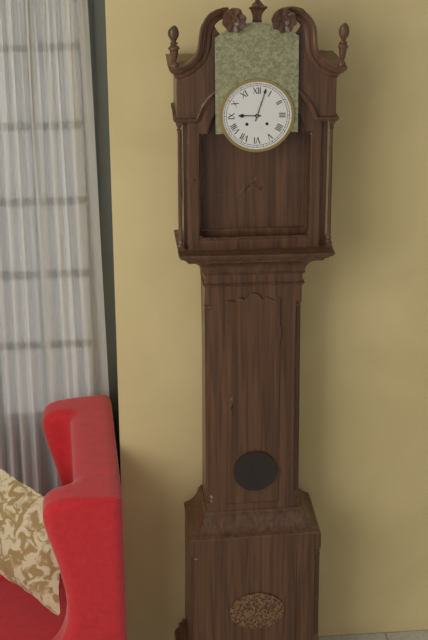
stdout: **9:03**
